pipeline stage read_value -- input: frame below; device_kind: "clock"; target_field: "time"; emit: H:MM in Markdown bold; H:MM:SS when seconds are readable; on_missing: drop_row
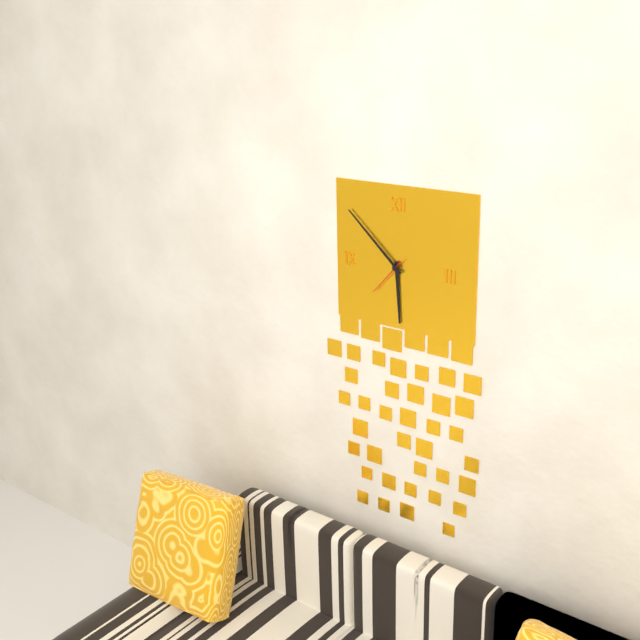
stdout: **5:52**
